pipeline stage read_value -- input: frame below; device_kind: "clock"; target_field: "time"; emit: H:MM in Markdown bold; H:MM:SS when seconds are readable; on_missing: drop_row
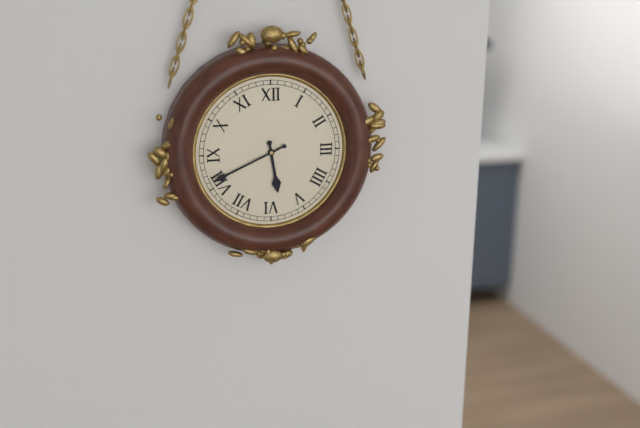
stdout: **5:41**
